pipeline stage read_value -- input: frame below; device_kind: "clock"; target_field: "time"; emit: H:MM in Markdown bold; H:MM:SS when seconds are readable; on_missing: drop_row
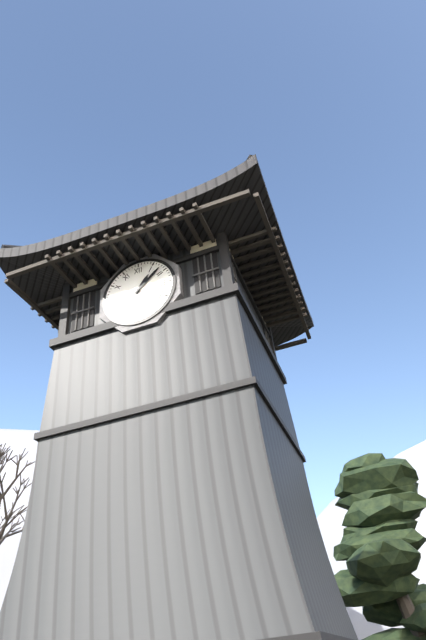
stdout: **1:08**
